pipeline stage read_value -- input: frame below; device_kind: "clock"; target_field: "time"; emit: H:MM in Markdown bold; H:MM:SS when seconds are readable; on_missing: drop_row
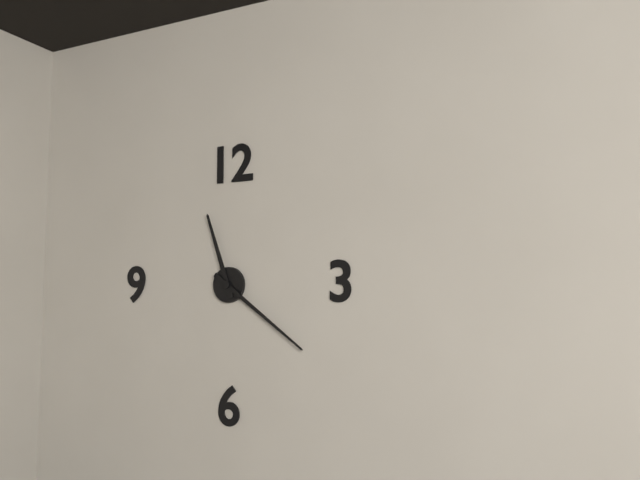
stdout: **11:21**
